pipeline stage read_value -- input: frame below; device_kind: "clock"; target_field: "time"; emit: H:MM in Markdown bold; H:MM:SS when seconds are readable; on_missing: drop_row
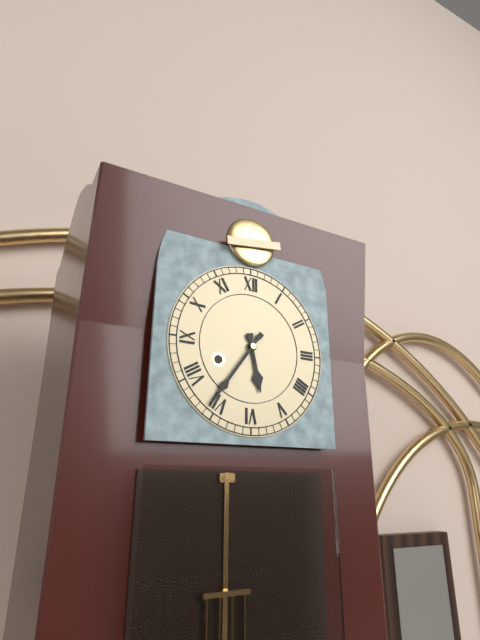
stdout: **5:36**
